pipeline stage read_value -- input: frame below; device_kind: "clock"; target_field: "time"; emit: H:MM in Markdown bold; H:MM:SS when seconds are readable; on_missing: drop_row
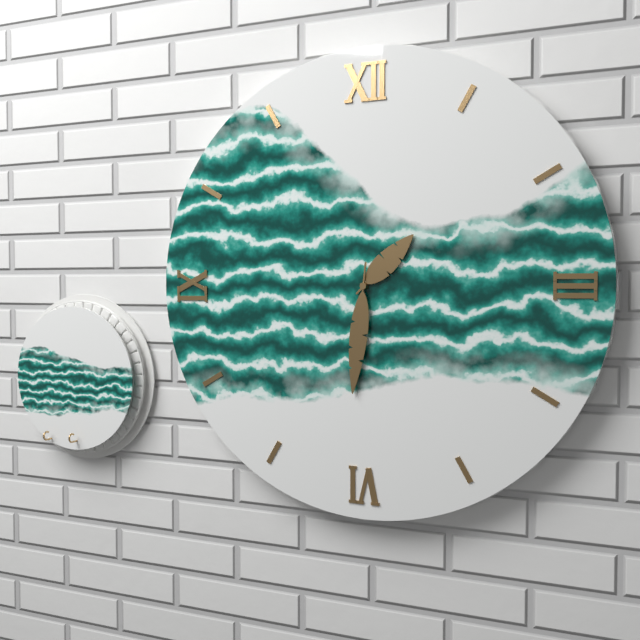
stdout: **1:31**
